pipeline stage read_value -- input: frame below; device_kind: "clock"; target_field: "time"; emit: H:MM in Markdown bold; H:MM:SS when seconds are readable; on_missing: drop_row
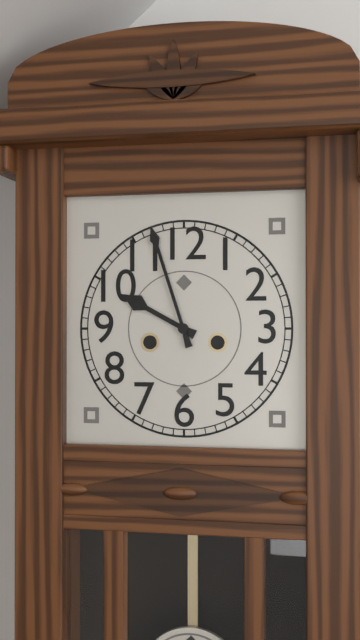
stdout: **9:57**
